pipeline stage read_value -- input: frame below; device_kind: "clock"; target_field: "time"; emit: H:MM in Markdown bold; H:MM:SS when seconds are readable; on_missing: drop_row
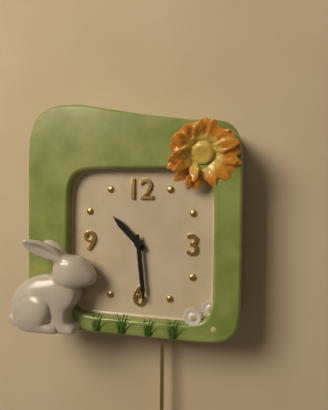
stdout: **10:29**
